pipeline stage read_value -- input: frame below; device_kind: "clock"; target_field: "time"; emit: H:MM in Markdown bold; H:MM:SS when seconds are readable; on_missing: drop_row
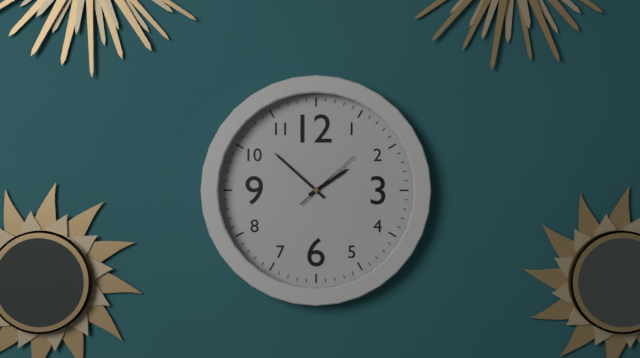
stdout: **1:52:08**
